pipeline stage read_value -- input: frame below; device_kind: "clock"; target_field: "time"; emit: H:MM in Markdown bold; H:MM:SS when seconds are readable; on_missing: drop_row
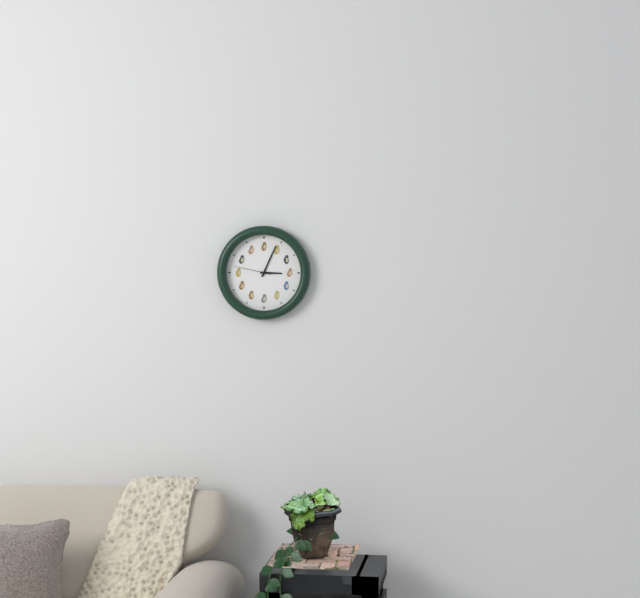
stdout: **3:04**
